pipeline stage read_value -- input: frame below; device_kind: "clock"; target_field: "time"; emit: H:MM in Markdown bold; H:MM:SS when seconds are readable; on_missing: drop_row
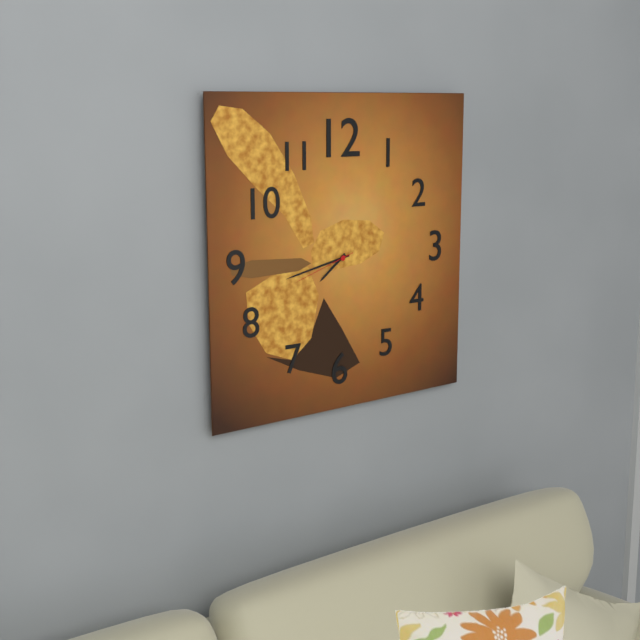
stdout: **7:43:42**
